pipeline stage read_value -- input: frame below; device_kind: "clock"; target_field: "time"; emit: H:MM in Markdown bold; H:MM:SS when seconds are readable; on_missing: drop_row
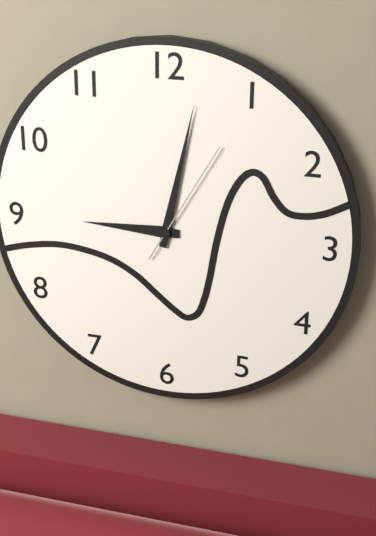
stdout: **9:02:05**
